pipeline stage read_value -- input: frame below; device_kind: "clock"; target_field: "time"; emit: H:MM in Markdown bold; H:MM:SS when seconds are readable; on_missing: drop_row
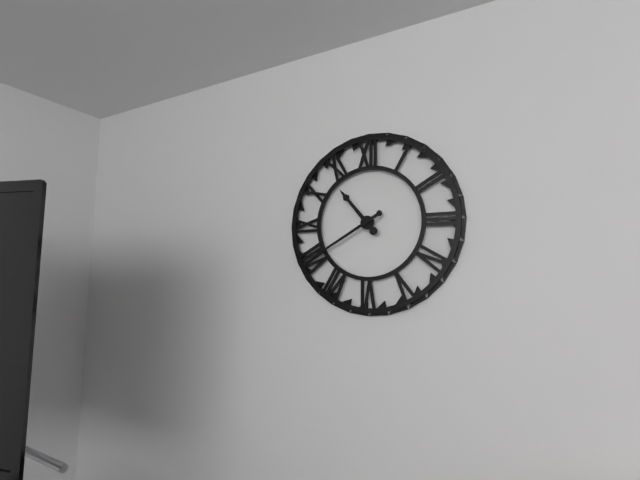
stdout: **10:40**
